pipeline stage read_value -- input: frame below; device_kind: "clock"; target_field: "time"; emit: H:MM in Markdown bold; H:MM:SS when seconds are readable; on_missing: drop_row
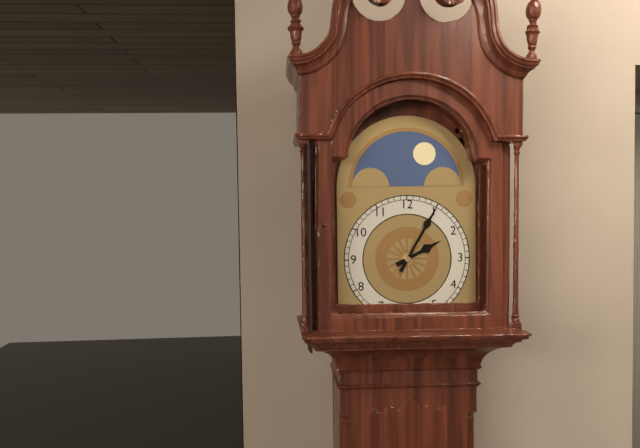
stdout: **2:05**
